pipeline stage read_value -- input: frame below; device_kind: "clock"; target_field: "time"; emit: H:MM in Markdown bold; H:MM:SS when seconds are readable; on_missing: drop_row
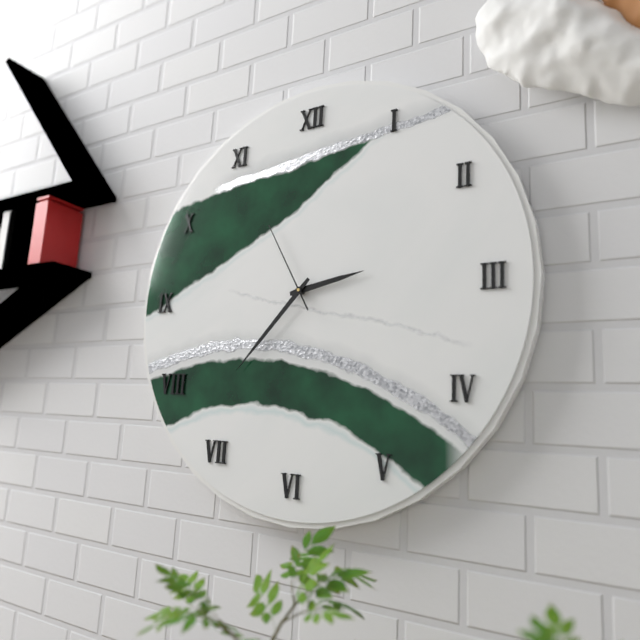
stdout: **2:37:55**
